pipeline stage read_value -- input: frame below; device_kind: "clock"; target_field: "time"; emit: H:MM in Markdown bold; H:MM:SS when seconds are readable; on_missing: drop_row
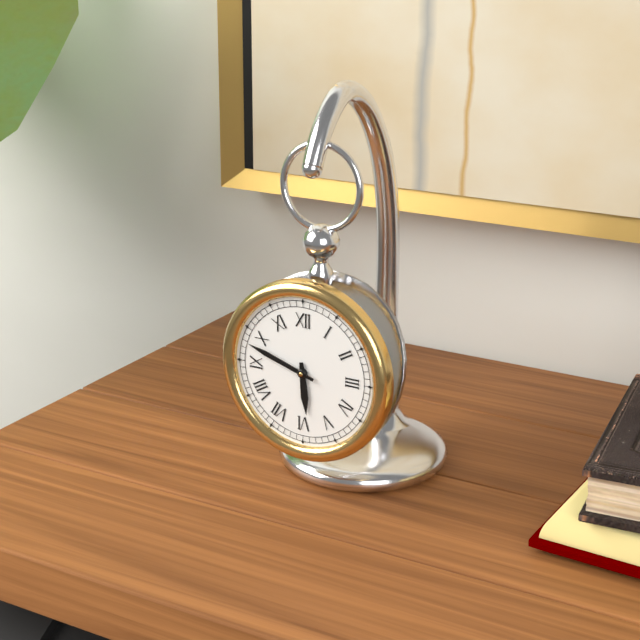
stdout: **5:48**
